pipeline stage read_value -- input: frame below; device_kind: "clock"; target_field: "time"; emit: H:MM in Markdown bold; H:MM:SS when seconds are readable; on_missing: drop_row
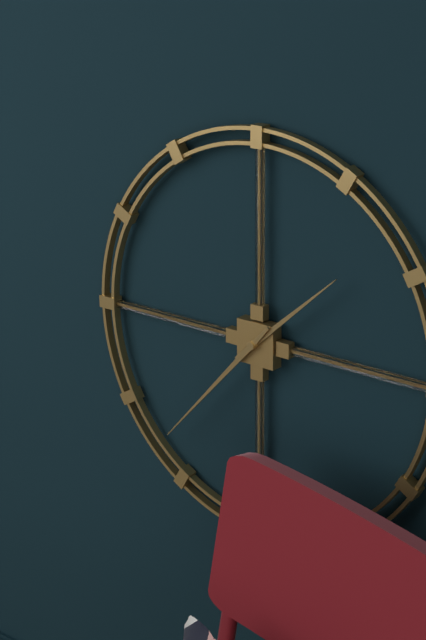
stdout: **1:37**
